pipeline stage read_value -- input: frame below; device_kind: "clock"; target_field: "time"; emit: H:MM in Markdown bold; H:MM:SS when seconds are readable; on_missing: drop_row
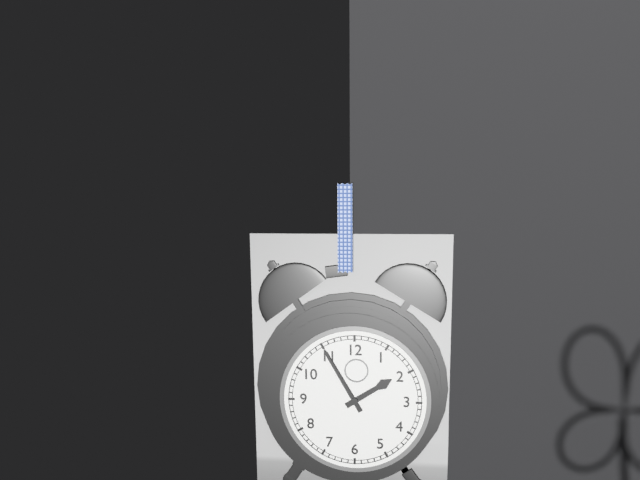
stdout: **1:55**
